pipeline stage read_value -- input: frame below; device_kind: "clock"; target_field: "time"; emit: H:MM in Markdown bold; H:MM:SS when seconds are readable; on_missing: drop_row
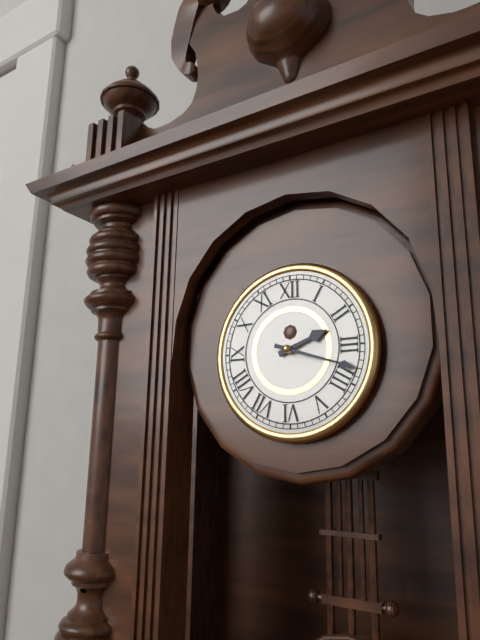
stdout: **2:18**
